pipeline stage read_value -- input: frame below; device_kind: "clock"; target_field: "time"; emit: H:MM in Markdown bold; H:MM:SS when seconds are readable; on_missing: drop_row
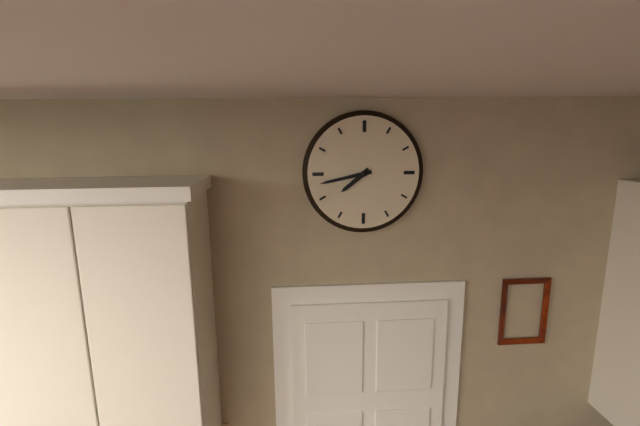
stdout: **7:43**
